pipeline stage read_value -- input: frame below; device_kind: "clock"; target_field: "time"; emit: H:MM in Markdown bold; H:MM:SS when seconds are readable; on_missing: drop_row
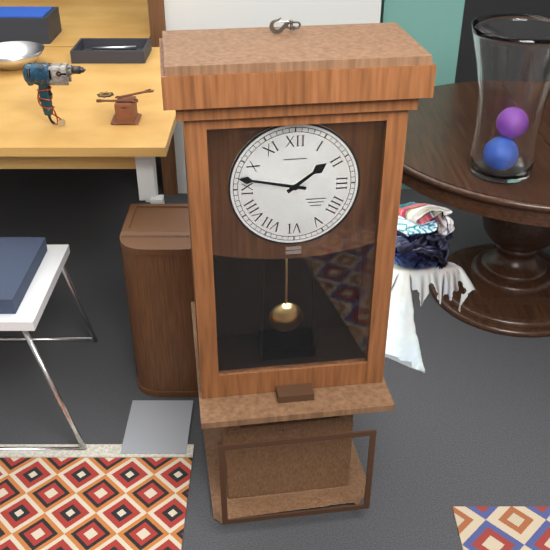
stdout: **1:47**
